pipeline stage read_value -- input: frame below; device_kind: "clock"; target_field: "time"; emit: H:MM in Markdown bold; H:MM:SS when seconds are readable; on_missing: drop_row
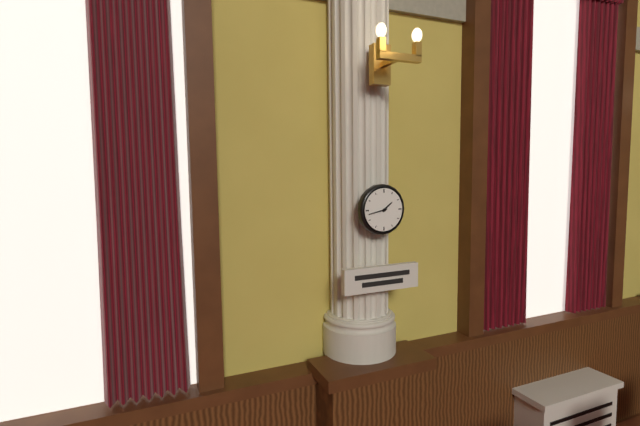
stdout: **1:43**
